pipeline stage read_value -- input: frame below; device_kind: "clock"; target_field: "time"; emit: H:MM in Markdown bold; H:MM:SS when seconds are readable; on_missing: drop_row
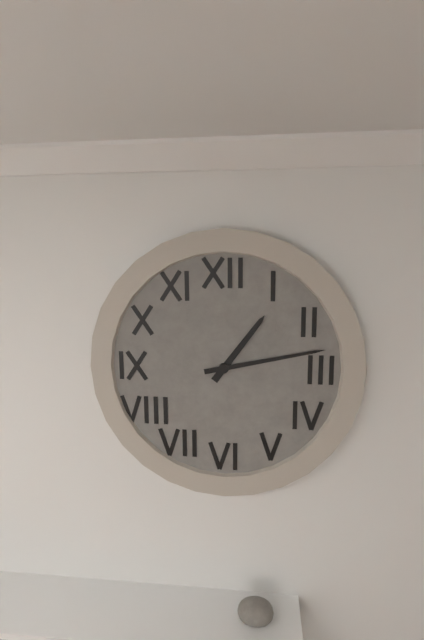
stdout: **1:13**
